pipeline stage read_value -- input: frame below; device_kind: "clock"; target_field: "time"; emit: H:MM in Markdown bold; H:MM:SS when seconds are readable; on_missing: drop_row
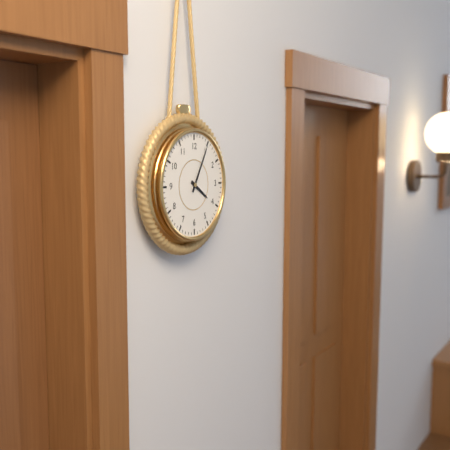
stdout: **4:05**
